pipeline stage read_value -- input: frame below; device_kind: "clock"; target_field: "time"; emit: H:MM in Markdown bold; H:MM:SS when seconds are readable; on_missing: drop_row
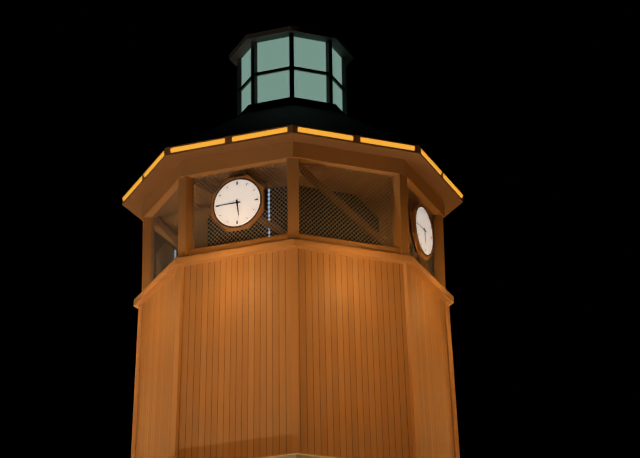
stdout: **5:45**
